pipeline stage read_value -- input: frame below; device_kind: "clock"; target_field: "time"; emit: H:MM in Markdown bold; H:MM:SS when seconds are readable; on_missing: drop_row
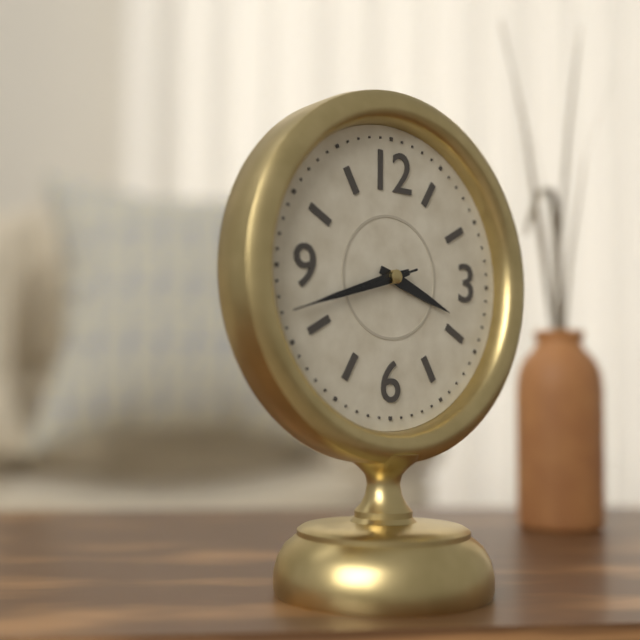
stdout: **3:42:42**
